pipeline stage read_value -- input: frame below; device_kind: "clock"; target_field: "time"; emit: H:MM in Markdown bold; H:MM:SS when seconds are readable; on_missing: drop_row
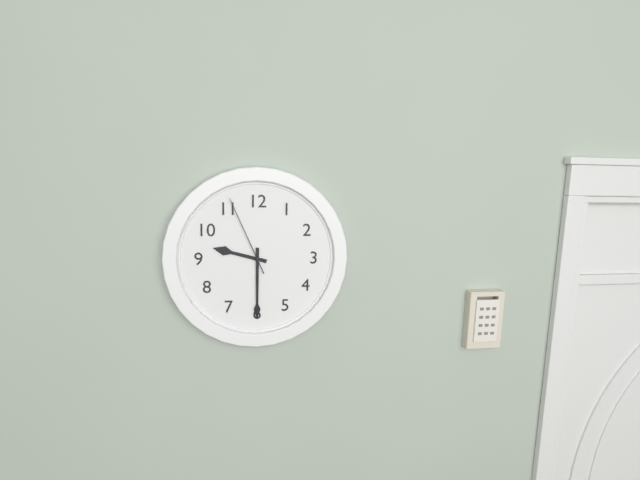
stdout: **9:30:56**
